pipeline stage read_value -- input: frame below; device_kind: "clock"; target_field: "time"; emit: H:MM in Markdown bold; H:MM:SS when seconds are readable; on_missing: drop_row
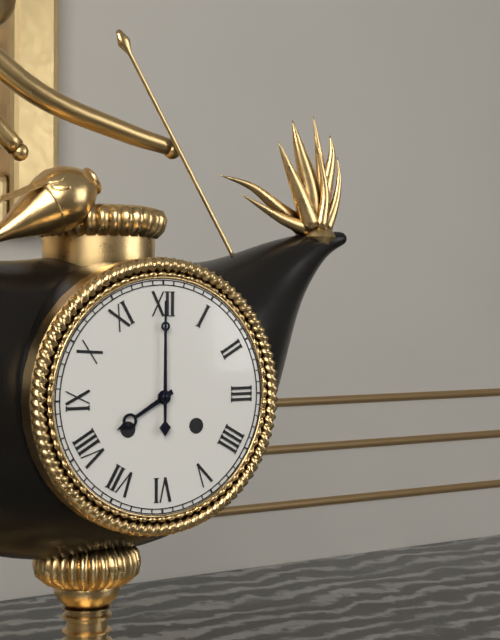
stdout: **8:00**
